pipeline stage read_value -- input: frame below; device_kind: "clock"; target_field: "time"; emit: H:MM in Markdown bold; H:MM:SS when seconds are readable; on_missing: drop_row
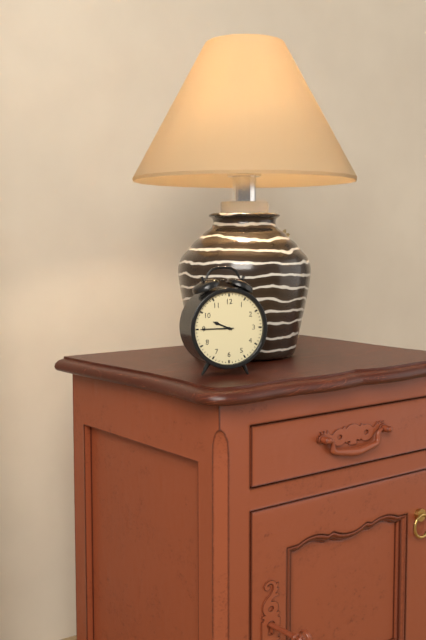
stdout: **9:45**
